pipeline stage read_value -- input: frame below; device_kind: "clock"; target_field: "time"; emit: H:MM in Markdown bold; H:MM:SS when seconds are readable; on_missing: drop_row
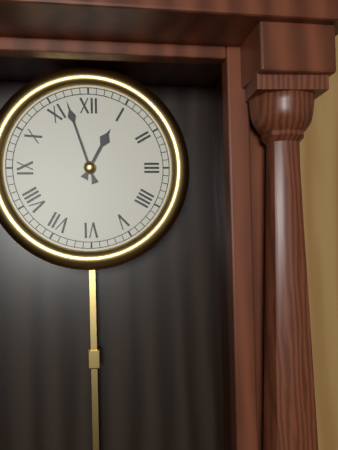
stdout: **12:57**
